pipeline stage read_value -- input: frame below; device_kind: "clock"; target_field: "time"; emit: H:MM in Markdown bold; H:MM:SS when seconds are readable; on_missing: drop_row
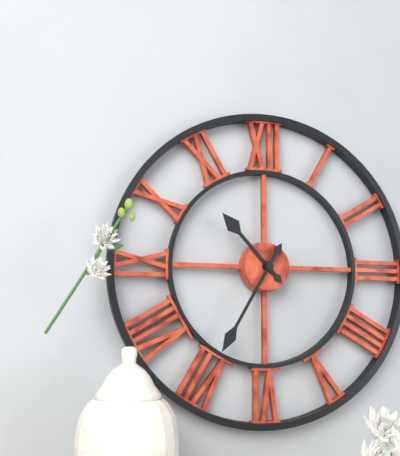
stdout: **10:35**
